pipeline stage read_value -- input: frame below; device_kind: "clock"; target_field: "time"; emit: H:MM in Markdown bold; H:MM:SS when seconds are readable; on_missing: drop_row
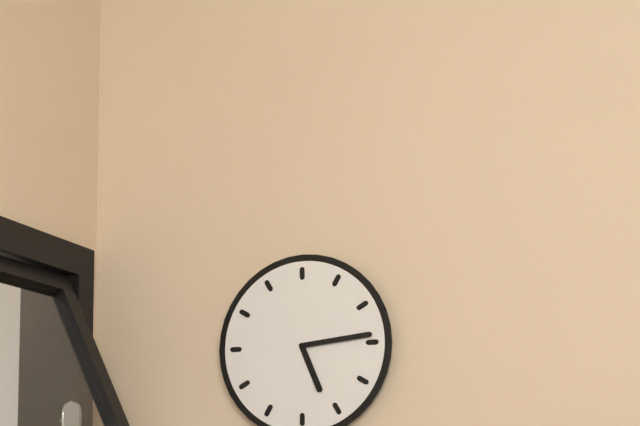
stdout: **5:14**
